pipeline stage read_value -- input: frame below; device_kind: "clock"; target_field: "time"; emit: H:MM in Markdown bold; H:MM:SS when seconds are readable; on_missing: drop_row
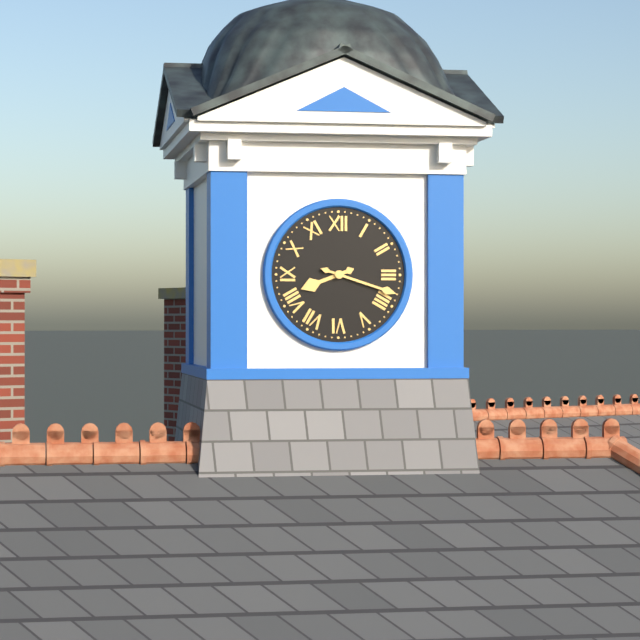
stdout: **8:18**
